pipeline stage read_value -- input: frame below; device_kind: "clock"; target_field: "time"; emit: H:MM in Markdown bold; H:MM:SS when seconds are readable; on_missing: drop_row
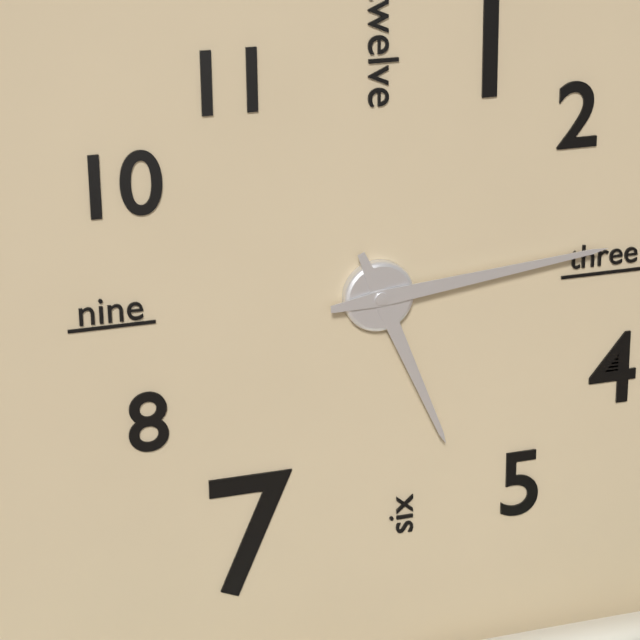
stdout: **5:14**
